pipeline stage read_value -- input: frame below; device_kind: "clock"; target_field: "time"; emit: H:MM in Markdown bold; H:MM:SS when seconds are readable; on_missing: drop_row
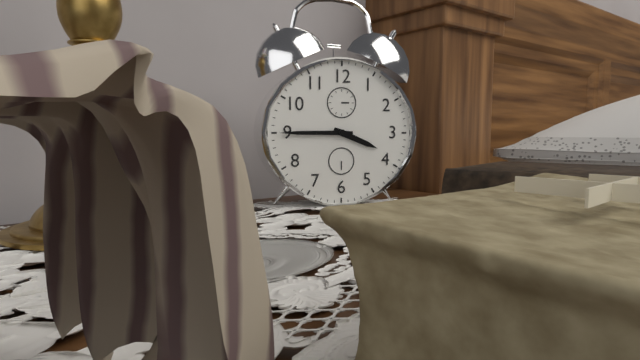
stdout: **3:45**
